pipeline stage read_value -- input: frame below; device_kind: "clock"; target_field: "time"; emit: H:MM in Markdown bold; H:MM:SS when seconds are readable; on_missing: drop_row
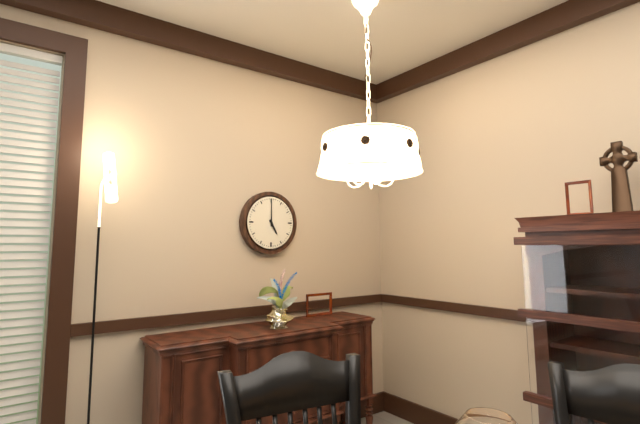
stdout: **5:00**
